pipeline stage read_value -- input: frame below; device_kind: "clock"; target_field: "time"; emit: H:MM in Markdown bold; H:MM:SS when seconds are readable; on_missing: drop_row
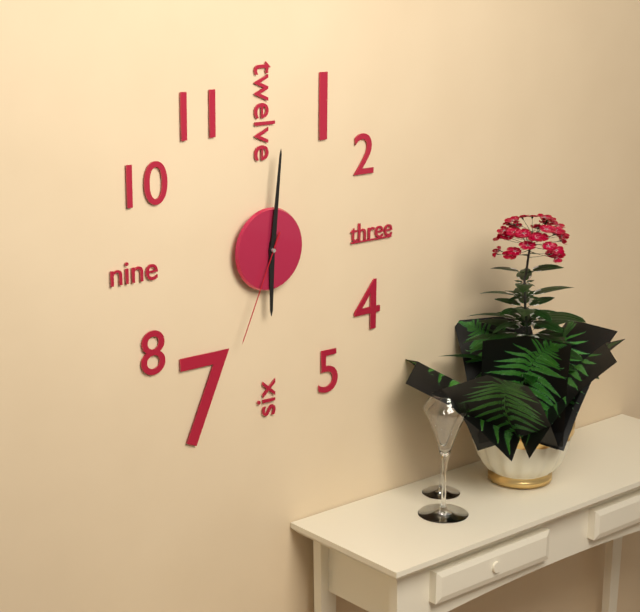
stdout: **6:01:34**
